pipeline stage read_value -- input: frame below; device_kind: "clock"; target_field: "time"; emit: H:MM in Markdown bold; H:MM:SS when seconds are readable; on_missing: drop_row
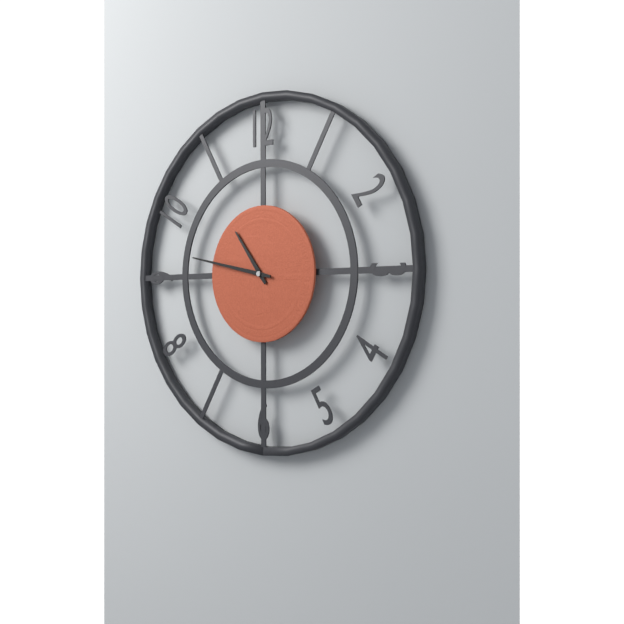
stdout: **10:47**
